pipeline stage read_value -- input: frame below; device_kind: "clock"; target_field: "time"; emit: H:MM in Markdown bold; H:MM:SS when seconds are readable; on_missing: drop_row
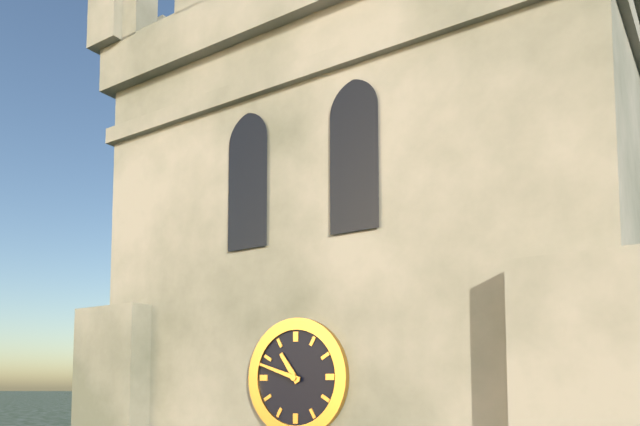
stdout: **10:48**
